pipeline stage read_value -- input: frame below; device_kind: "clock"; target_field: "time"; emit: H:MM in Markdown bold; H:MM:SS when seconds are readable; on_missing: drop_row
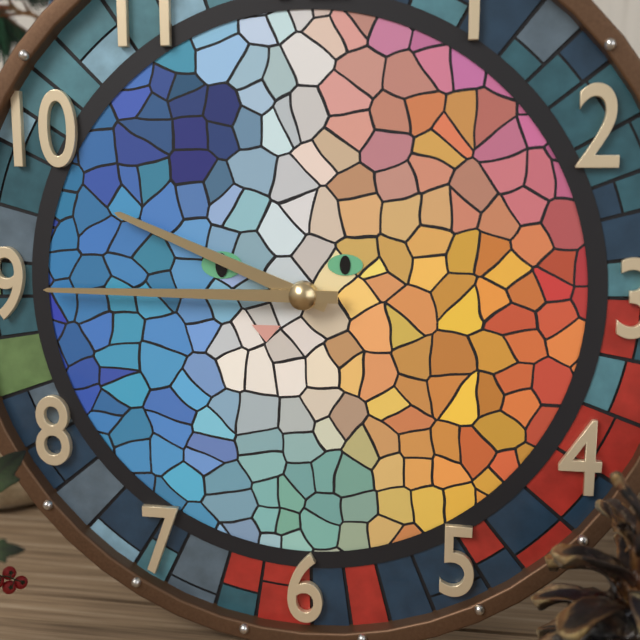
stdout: **9:45**
